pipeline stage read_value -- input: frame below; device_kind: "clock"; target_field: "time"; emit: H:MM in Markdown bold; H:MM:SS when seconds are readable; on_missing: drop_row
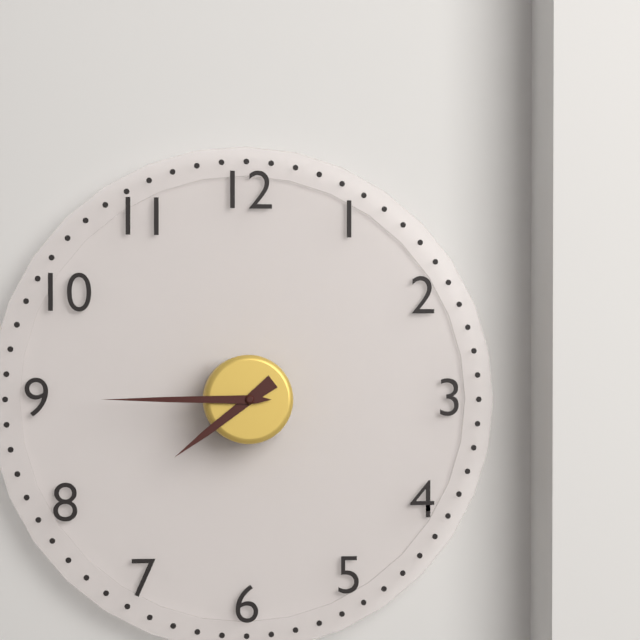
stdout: **7:45**
